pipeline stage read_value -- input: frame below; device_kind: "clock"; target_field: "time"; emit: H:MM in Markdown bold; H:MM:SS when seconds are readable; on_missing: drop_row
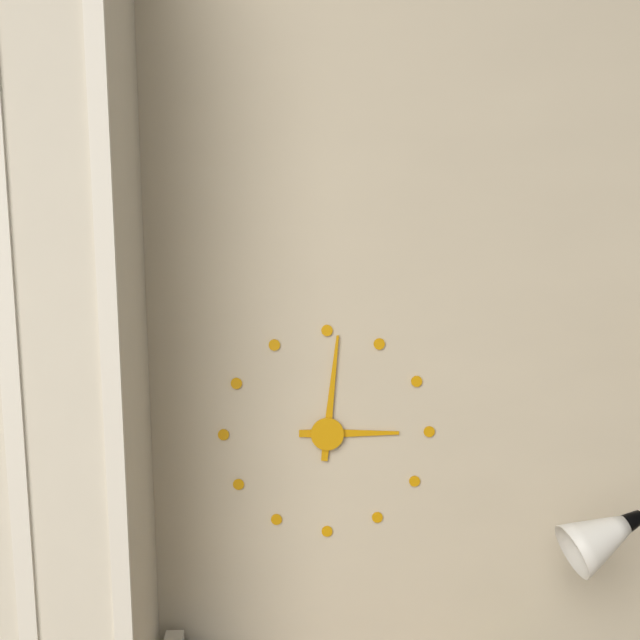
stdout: **3:01**
